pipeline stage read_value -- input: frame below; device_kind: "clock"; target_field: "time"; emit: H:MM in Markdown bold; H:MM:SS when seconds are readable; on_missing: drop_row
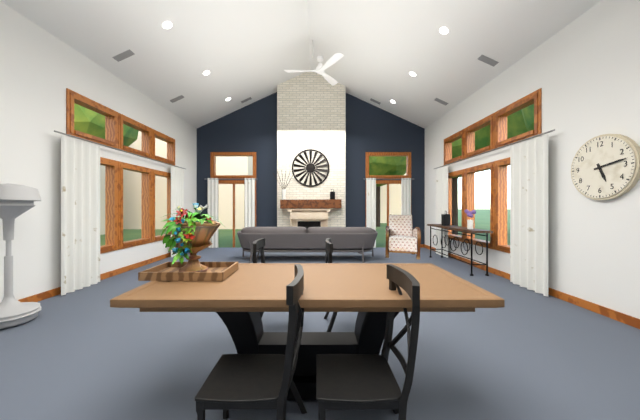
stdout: **5:13**
